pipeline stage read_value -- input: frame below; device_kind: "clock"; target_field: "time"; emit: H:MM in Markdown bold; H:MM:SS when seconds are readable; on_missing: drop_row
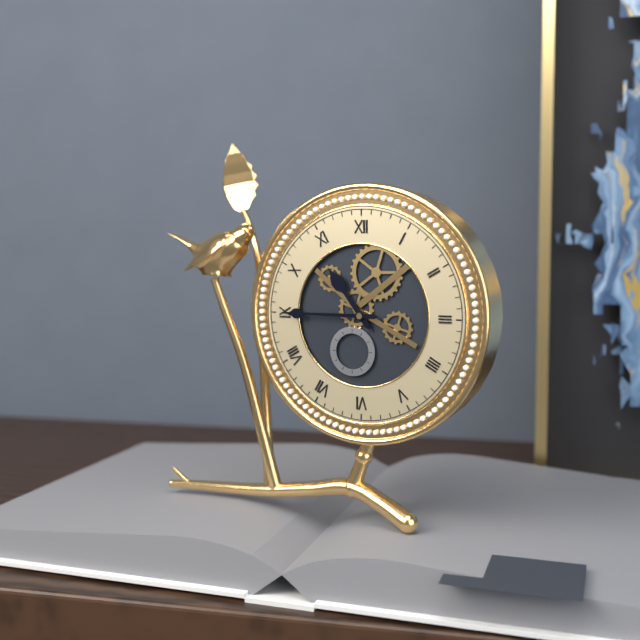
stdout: **10:45**
